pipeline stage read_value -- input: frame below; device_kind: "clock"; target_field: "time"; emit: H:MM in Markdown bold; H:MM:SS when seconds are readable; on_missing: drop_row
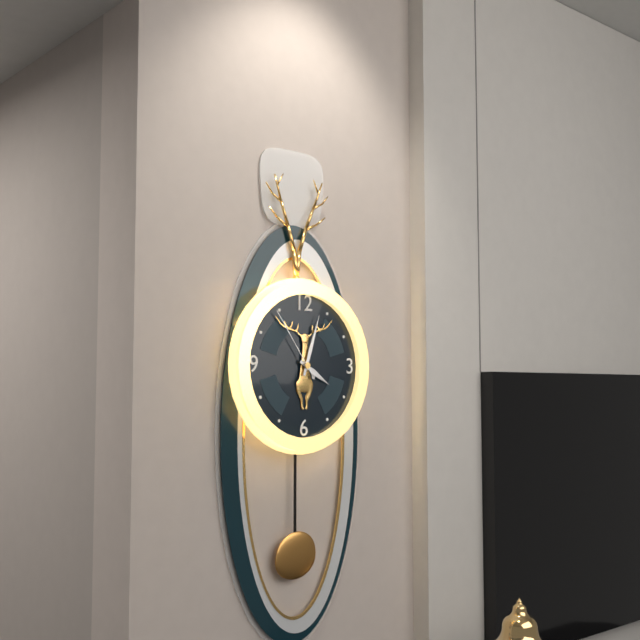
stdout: **4:03:54**
